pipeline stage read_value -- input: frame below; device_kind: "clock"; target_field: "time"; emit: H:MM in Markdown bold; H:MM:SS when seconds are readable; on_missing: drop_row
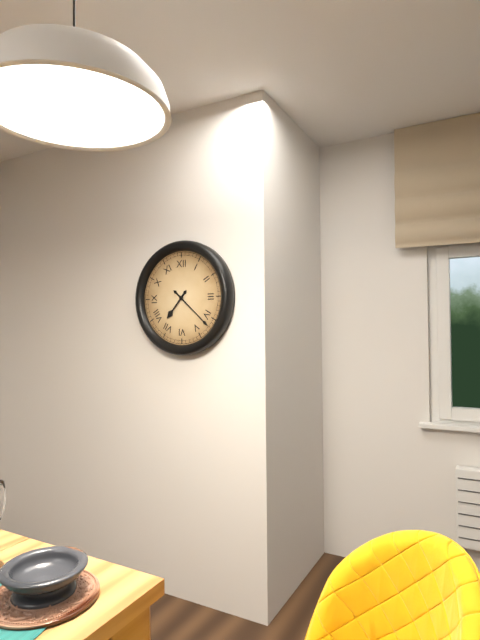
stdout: **7:22**
